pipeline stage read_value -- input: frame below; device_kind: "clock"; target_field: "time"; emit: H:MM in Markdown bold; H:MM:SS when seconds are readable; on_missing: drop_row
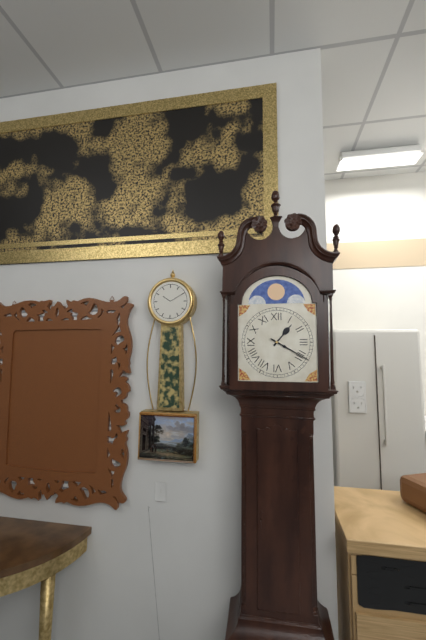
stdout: **1:20**
